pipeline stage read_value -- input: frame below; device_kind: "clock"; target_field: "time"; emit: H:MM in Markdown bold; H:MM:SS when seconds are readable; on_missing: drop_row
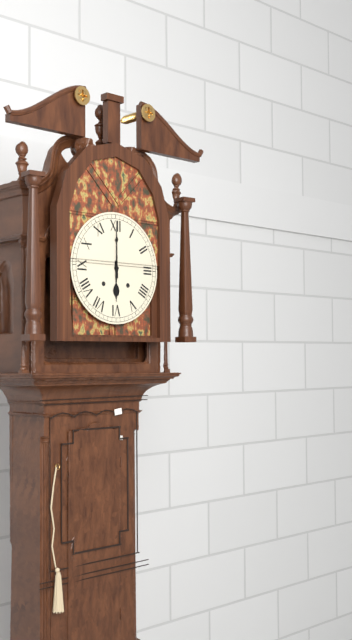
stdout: **6:00**
